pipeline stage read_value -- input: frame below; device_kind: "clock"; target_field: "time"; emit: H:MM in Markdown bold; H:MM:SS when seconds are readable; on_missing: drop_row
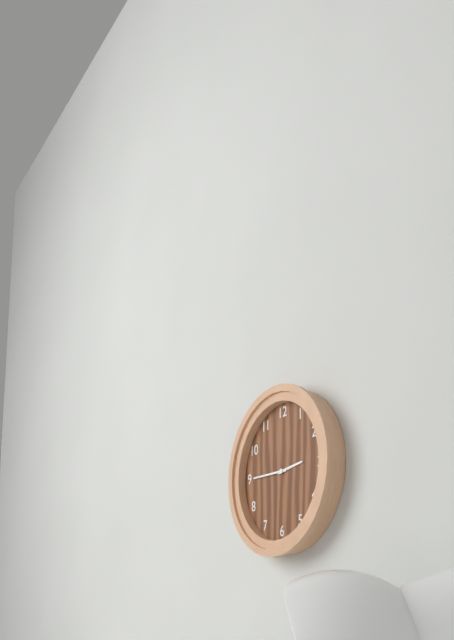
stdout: **2:45**
